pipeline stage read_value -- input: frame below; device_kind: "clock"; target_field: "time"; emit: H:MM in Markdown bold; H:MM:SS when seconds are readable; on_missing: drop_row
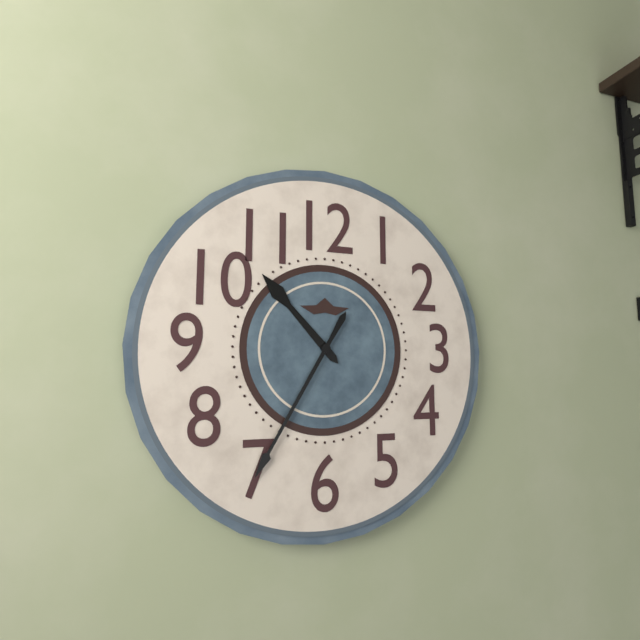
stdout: **10:35**
